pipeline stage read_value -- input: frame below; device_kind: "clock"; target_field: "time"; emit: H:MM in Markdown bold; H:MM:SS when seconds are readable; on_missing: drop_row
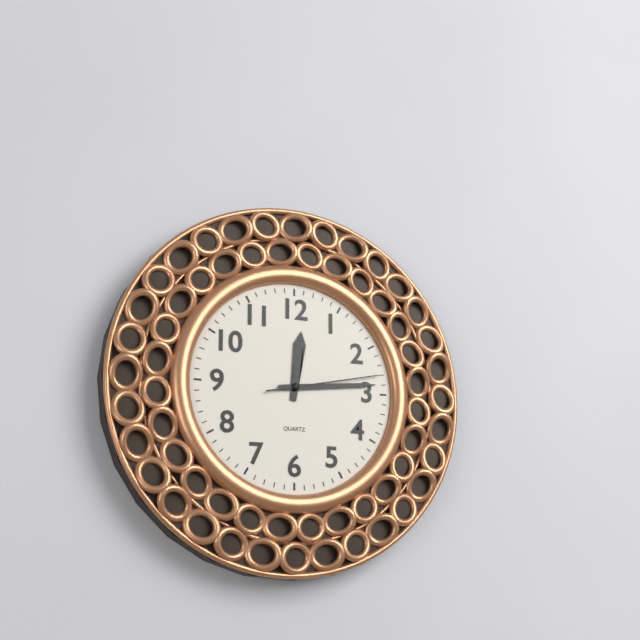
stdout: **12:14:13**
